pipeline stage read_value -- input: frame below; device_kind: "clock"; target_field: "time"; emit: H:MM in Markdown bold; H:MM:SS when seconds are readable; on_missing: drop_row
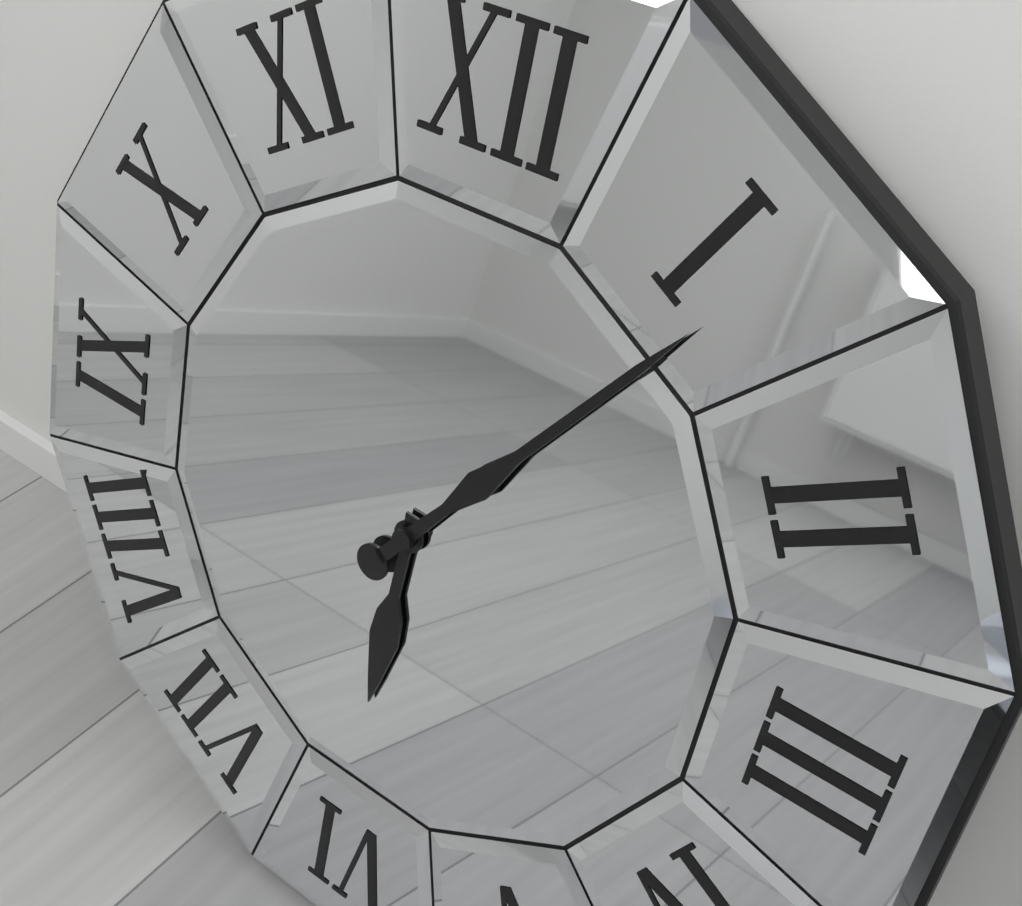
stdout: **6:06**
